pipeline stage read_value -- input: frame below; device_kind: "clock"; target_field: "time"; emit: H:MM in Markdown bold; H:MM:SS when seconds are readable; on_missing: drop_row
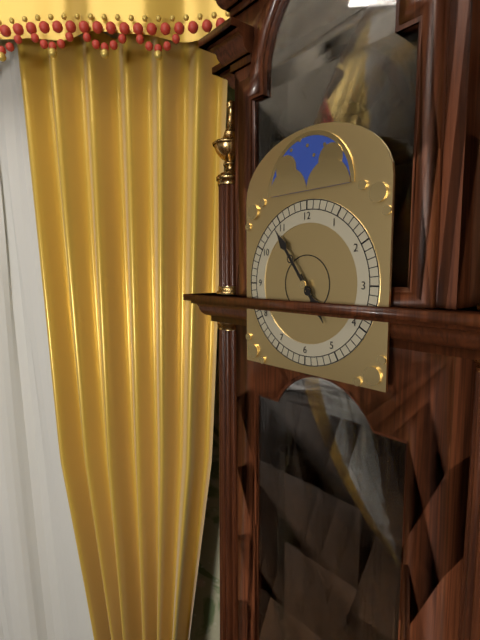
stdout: **4:54**
